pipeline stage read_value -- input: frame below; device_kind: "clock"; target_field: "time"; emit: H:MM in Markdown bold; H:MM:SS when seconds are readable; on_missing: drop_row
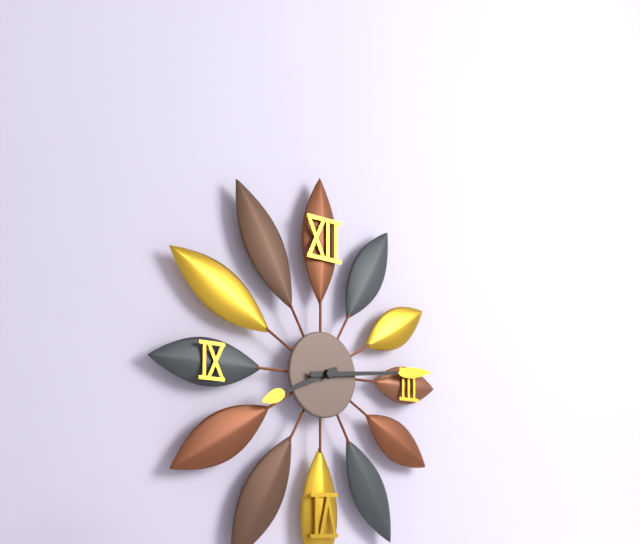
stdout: **8:14**
